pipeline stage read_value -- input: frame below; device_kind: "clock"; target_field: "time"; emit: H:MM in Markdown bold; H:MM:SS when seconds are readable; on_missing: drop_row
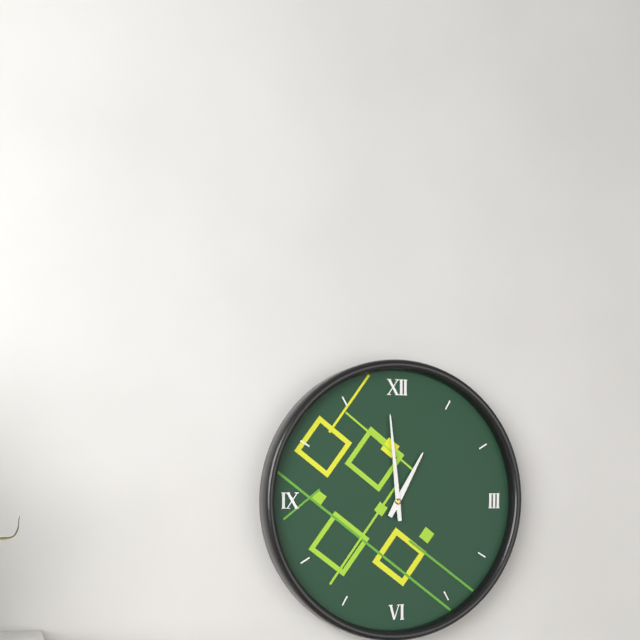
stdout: **12:59**
